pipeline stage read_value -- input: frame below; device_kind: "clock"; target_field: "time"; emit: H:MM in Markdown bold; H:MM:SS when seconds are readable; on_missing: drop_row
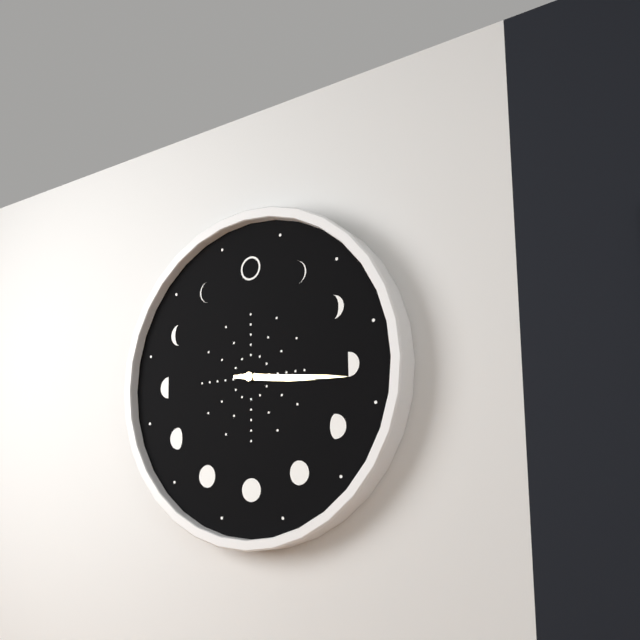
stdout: **3:16**
